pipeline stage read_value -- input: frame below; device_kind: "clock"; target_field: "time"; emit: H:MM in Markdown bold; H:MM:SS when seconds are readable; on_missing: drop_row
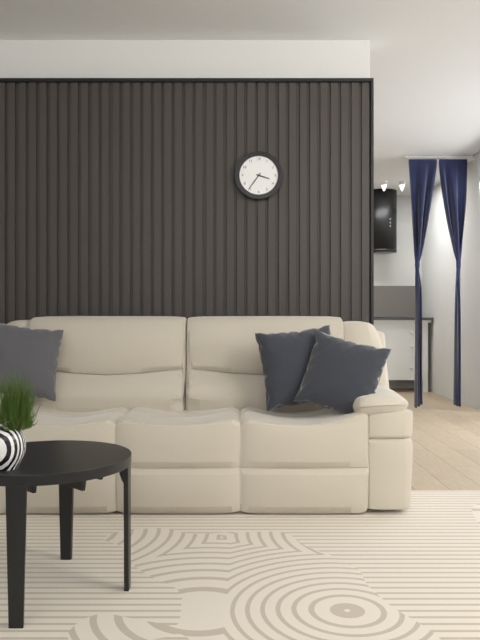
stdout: **3:36**
